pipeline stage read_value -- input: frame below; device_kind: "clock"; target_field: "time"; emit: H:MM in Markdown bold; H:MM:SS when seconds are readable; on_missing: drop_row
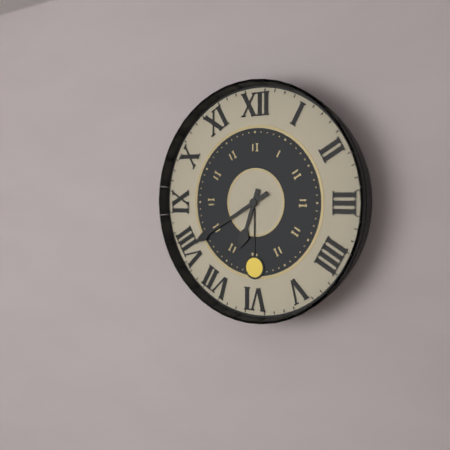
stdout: **6:40**
